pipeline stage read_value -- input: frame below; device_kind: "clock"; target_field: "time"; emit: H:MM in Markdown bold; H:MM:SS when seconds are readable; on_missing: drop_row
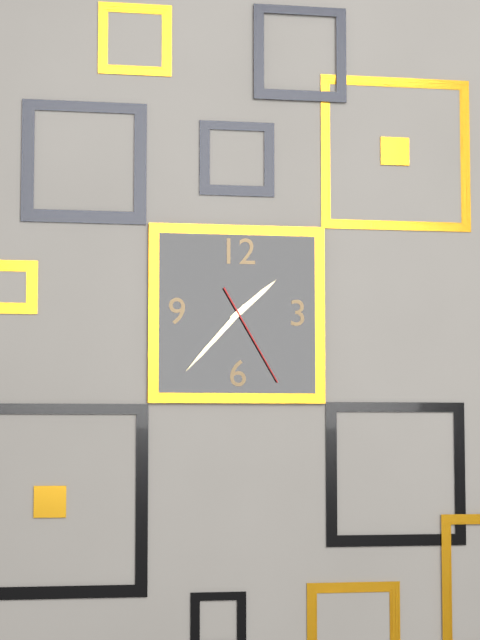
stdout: **1:37:25**
